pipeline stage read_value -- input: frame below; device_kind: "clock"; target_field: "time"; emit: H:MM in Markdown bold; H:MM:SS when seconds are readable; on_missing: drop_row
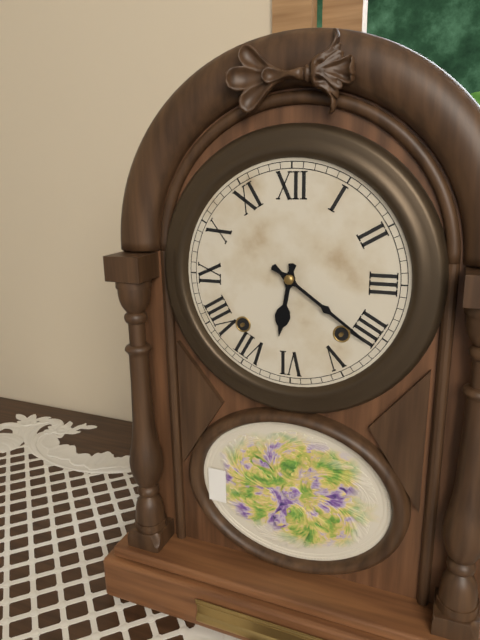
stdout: **6:21**
